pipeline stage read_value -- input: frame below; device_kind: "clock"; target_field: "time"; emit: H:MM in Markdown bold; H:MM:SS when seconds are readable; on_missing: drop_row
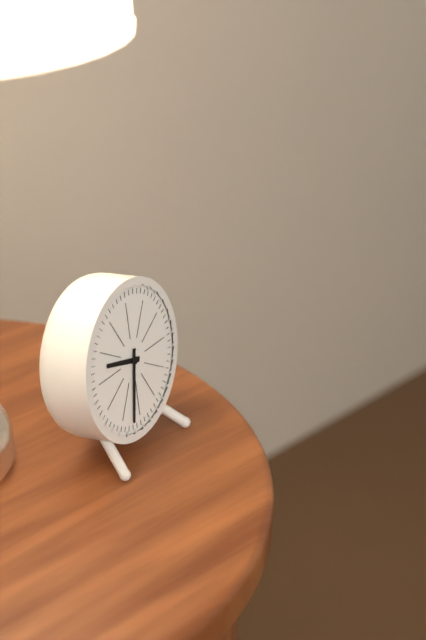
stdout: **9:32**
